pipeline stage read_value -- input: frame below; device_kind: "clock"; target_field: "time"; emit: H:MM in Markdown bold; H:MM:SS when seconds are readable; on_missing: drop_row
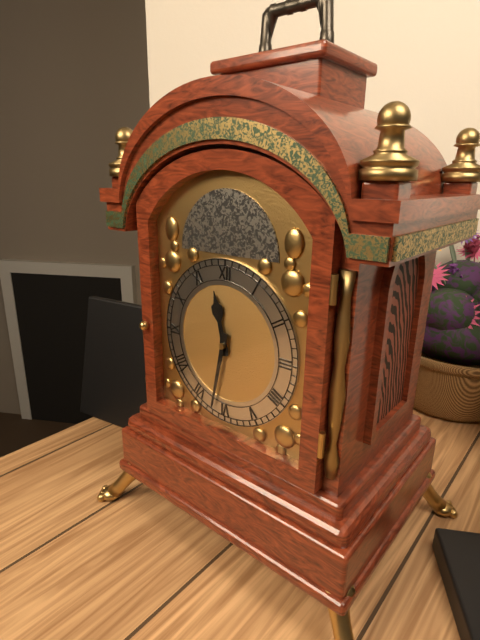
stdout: **11:32**
